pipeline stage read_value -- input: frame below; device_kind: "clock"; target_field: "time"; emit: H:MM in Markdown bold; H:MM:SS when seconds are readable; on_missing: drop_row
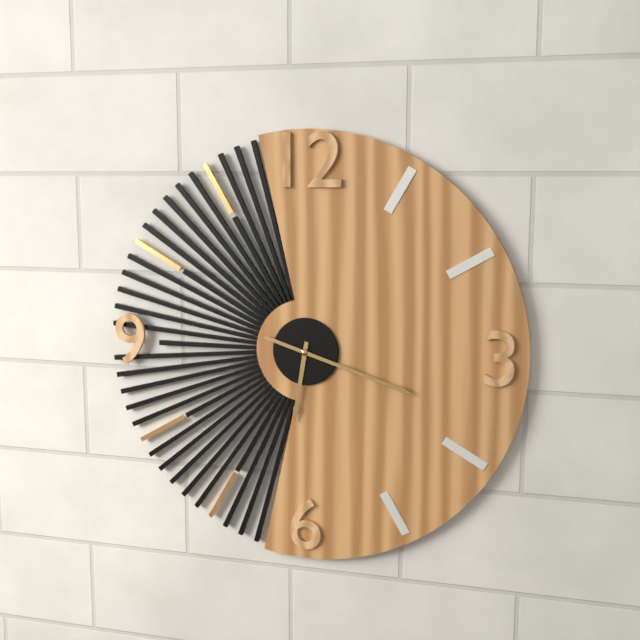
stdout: **6:18**
